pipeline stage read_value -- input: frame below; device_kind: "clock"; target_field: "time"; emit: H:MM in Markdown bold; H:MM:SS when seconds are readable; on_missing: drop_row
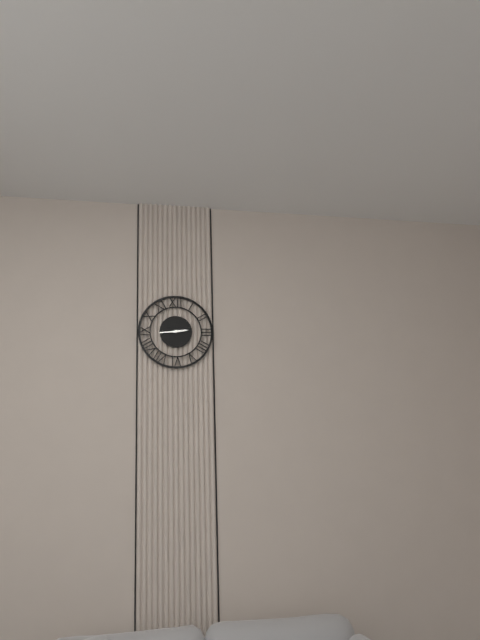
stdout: **2:44**
